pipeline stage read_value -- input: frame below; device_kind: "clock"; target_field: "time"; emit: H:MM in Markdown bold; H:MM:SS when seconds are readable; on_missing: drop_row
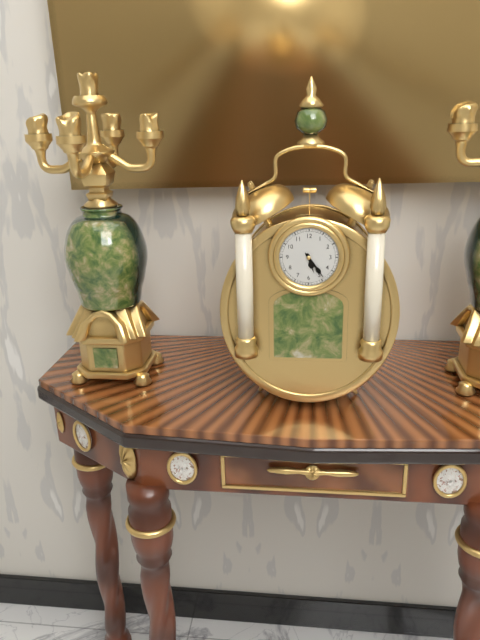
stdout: **5:24**
